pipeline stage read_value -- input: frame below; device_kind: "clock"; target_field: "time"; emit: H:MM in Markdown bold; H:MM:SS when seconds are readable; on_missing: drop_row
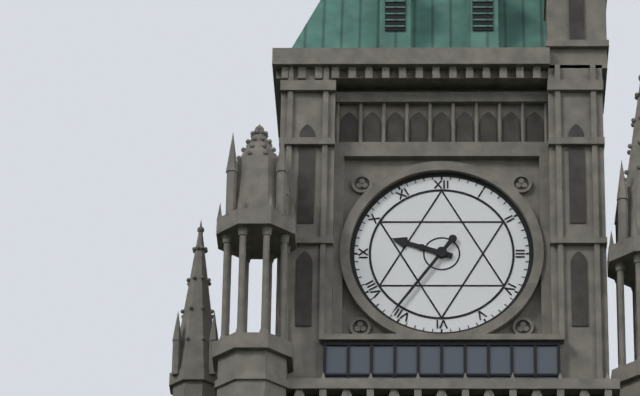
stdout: **9:36**
